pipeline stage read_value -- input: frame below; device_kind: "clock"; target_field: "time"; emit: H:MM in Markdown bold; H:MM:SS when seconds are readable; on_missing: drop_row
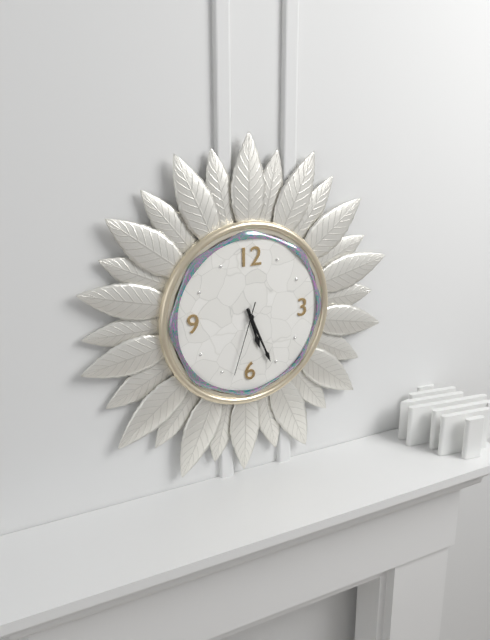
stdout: **5:26:33**
